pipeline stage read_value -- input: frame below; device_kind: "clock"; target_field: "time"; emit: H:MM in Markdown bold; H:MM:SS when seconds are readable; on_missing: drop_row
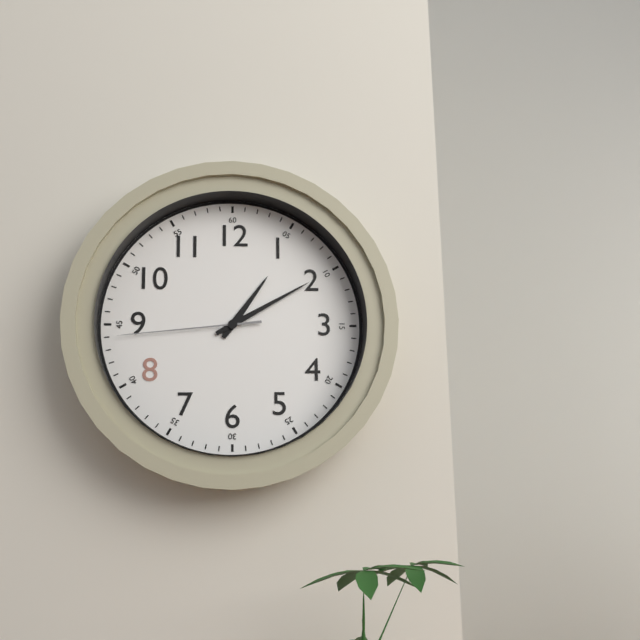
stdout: **1:10:44**
